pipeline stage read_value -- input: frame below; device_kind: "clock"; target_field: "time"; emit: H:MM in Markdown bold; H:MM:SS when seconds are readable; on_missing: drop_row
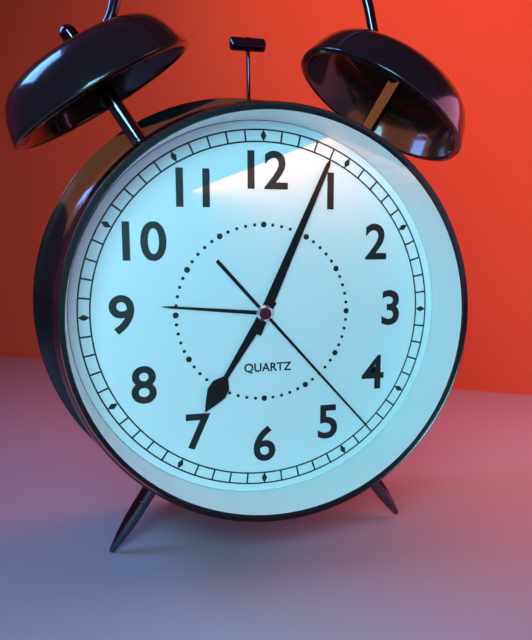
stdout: **7:04:23**
